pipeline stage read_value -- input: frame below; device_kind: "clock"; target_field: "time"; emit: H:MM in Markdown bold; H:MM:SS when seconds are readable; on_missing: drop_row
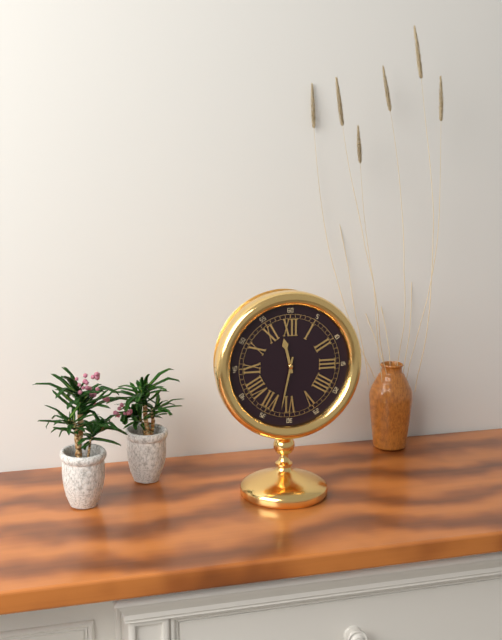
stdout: **11:32**
